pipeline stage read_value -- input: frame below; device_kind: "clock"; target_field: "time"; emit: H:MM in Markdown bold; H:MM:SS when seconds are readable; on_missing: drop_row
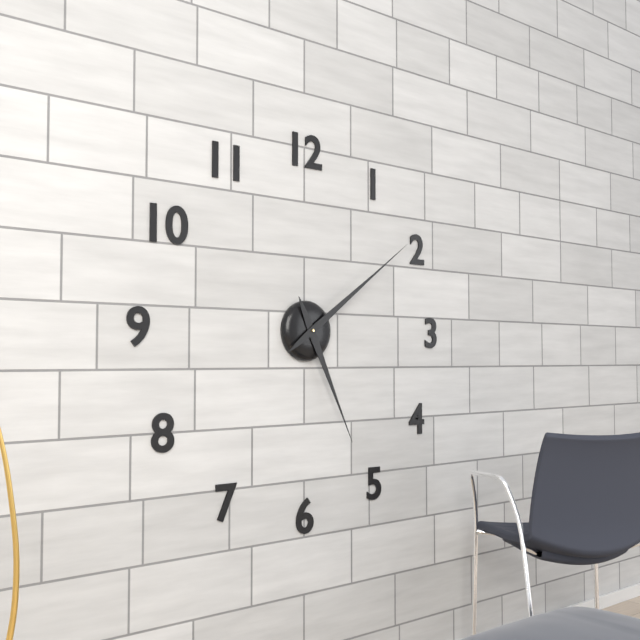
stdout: **5:09**
